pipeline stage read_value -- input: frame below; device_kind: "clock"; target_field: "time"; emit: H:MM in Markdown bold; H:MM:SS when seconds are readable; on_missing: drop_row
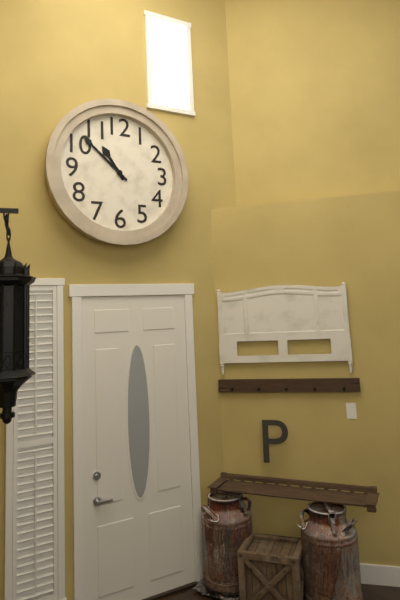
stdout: **10:52**
